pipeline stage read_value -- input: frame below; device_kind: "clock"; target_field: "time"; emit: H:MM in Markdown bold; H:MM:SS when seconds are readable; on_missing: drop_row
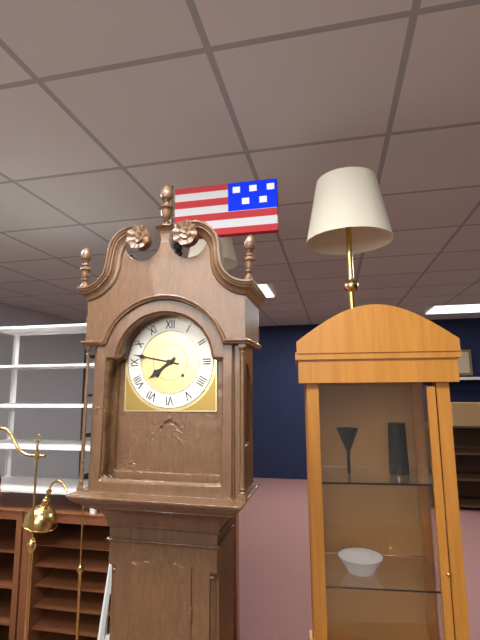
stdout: **7:47**
